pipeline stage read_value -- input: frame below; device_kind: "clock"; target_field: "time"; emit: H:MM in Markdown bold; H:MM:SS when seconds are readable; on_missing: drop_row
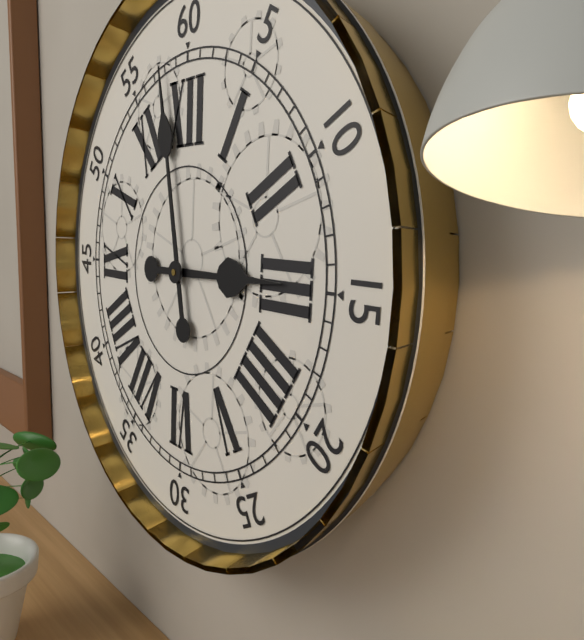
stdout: **2:58**
